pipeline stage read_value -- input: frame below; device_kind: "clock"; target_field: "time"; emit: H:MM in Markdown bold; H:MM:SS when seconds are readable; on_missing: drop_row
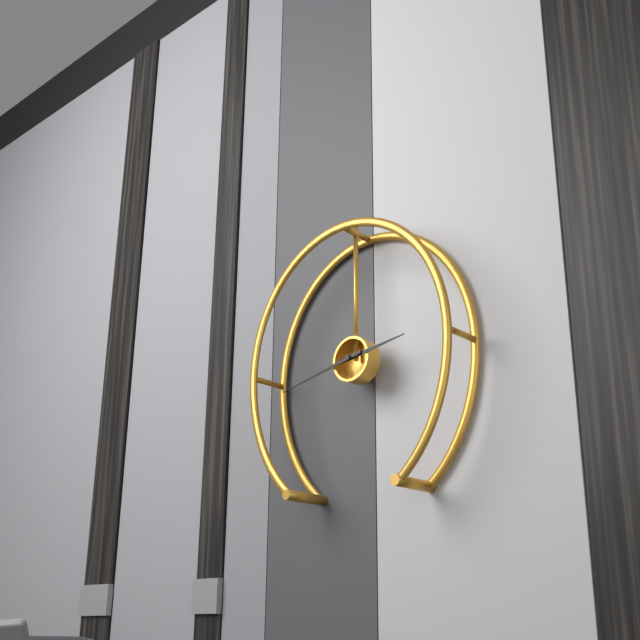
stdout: **2:43**
